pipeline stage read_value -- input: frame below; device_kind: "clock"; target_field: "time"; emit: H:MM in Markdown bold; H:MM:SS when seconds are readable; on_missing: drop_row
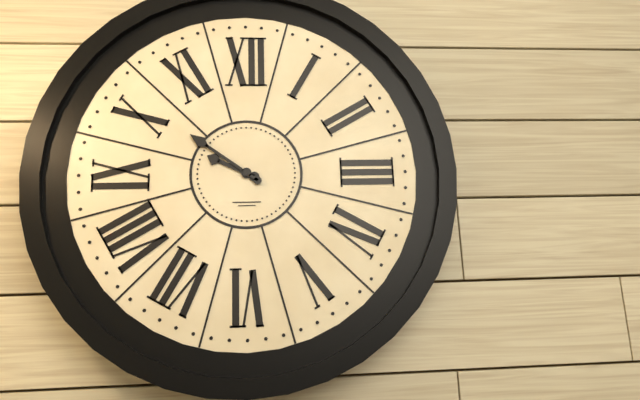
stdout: **9:51**
